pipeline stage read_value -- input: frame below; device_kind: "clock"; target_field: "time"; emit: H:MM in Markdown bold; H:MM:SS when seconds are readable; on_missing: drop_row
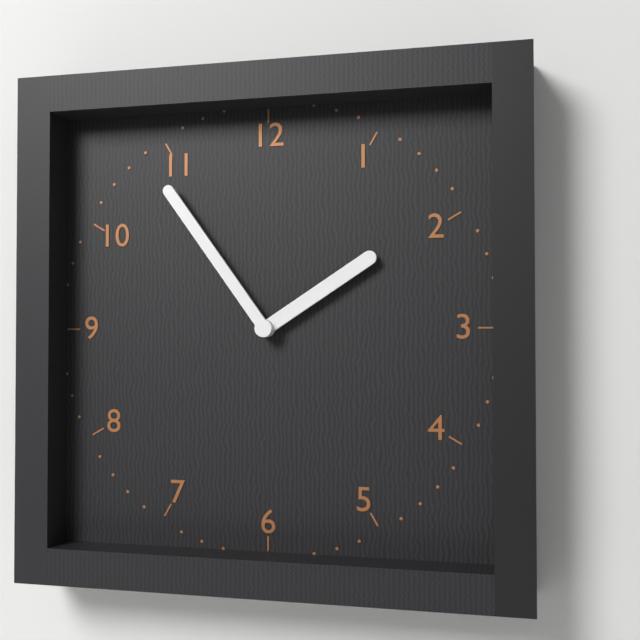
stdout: **1:54**
